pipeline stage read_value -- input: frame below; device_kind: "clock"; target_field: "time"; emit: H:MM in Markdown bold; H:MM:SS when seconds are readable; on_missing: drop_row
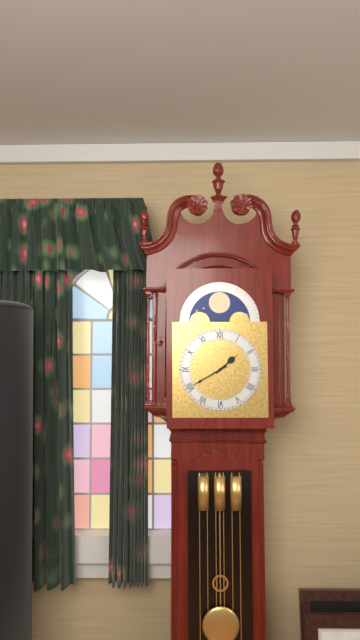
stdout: **1:40**
